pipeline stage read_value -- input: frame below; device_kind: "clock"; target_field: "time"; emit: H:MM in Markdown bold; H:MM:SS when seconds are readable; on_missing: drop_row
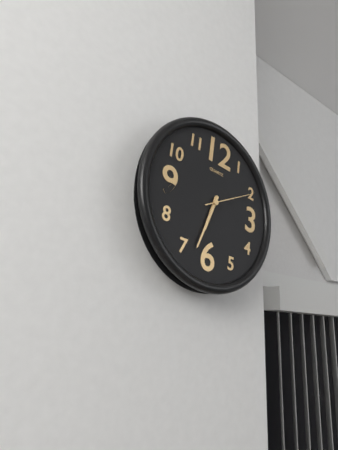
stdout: **6:33:10**
